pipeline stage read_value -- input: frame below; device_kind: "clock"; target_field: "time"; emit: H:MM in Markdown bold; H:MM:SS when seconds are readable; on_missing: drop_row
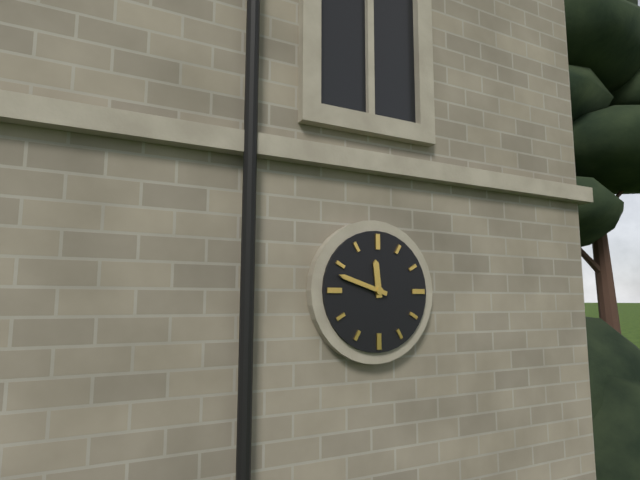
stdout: **11:48**
